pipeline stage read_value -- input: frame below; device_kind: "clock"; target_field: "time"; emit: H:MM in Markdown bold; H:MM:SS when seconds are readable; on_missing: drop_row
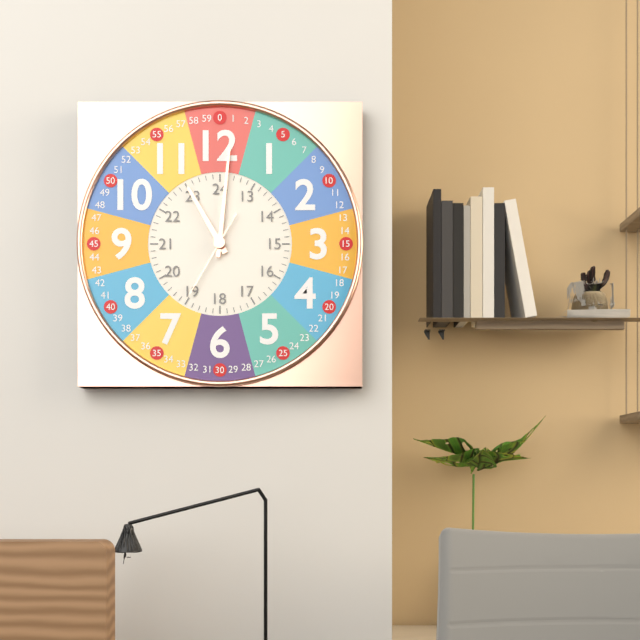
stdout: **11:01:35**
